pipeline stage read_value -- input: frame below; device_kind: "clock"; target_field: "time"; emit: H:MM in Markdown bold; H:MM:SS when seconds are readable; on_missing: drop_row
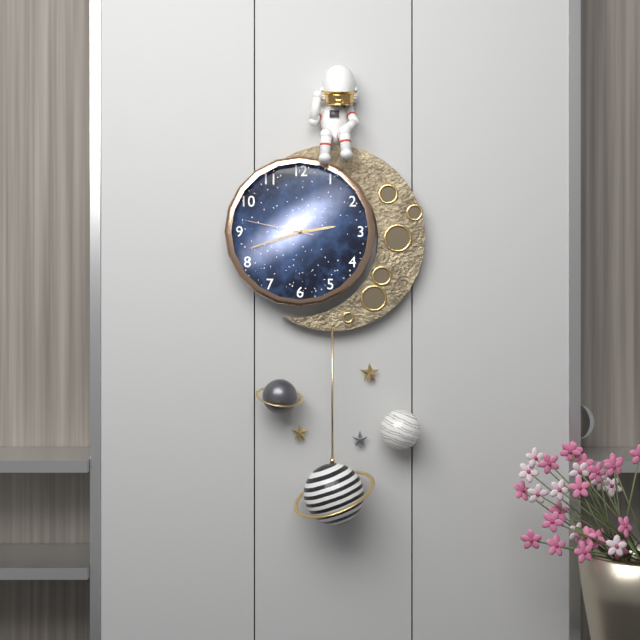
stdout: **2:42:47**
